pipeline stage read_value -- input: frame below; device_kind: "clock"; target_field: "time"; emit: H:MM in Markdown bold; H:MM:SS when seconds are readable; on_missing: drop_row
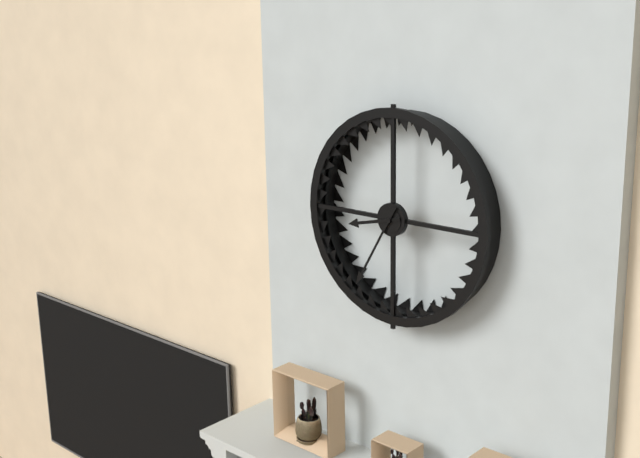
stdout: **8:35**
